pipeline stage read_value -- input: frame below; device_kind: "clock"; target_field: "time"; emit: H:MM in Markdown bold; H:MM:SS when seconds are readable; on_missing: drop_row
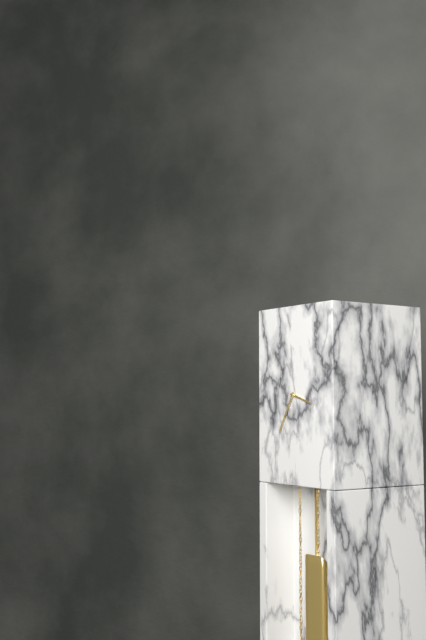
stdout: **3:35**
